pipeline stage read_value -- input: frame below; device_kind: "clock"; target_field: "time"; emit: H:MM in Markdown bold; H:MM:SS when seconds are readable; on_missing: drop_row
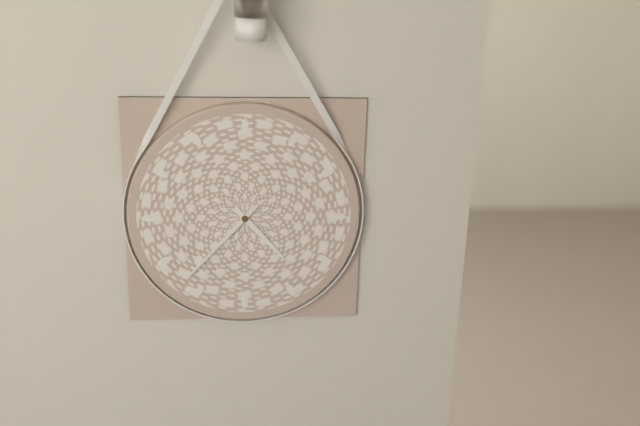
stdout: **4:37**
